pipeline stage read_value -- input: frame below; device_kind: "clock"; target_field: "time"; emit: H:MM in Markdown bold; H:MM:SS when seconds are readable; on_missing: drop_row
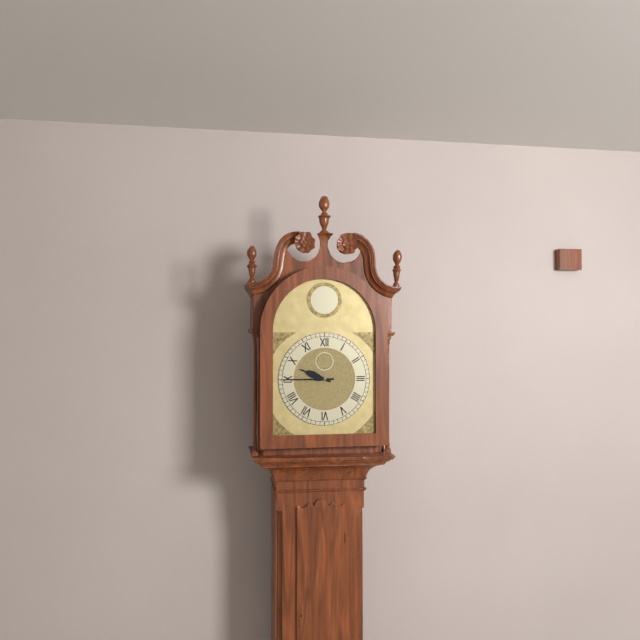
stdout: **9:45**
